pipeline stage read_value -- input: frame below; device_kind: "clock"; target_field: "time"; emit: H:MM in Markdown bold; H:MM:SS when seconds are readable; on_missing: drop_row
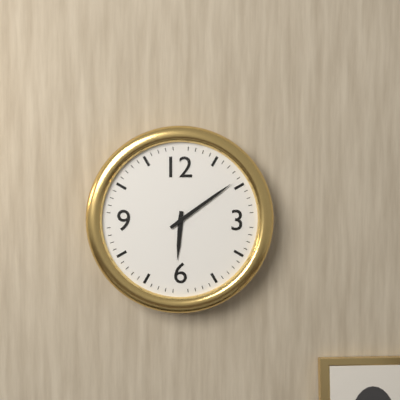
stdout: **6:09**
